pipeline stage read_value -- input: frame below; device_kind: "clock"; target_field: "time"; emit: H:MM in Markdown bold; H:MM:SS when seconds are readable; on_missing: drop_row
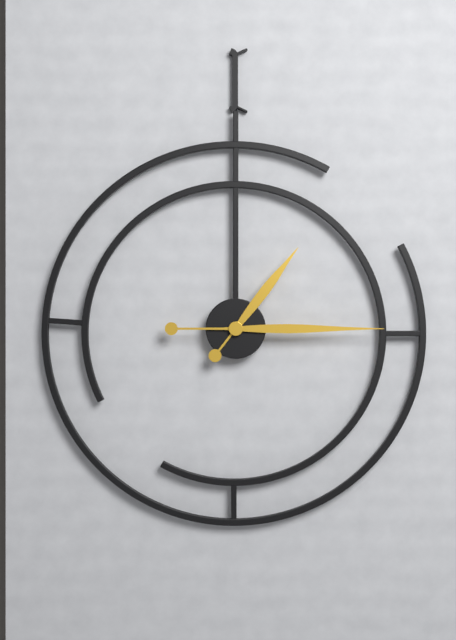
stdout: **1:15**
